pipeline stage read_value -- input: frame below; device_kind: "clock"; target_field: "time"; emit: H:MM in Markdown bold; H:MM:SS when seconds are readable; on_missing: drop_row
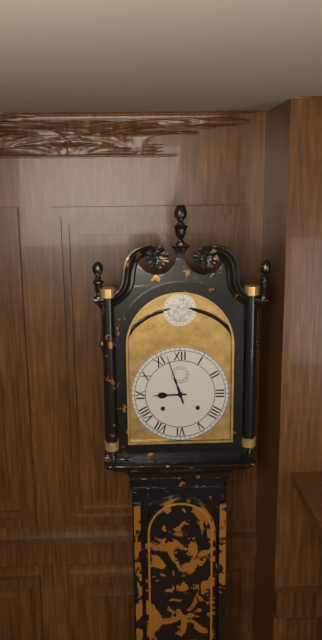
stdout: **8:57**
